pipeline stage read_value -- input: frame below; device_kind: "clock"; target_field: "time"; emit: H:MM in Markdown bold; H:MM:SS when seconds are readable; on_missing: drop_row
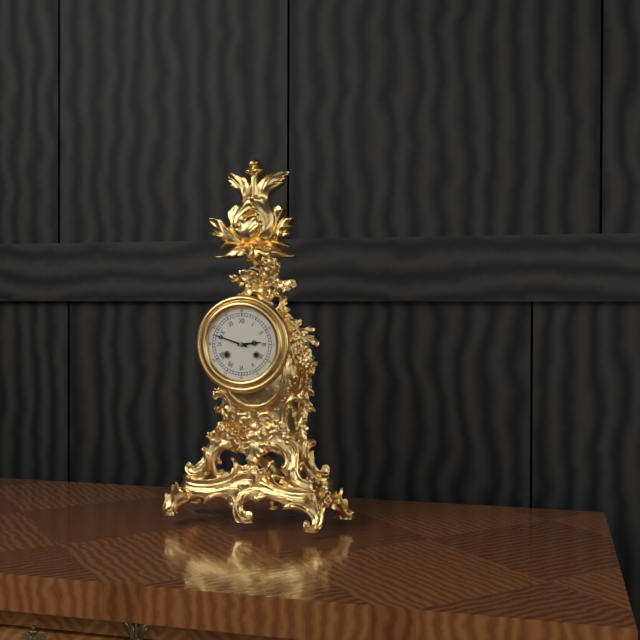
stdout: **2:48**
